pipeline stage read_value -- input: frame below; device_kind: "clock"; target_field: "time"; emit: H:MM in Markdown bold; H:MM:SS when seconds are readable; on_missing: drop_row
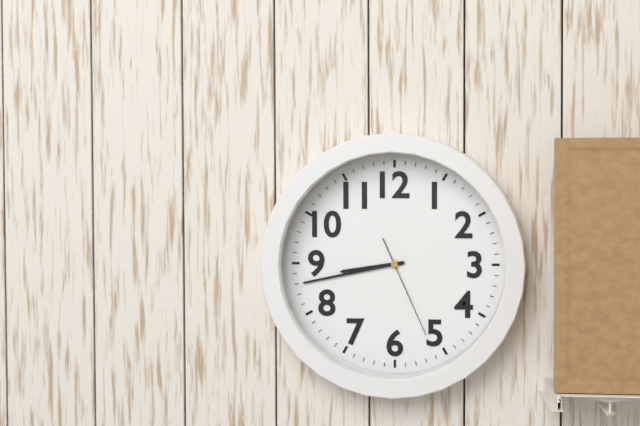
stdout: **8:43:26**
